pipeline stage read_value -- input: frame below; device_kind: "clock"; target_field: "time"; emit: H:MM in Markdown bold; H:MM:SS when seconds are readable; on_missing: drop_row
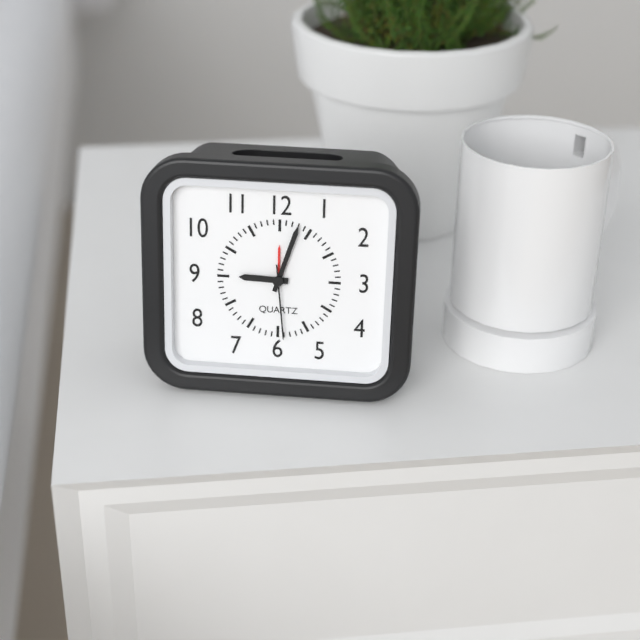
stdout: **9:03:29**
